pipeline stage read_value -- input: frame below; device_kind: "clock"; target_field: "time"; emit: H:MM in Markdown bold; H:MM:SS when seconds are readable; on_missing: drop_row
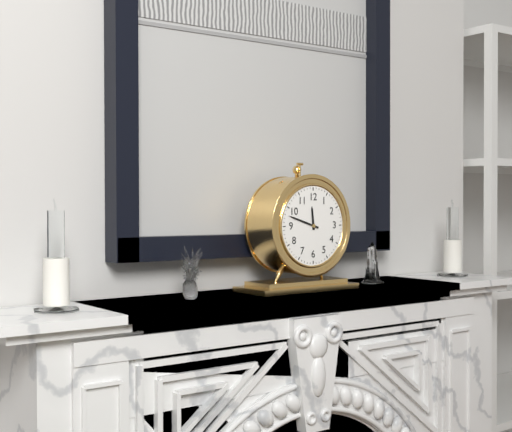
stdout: **11:48**
